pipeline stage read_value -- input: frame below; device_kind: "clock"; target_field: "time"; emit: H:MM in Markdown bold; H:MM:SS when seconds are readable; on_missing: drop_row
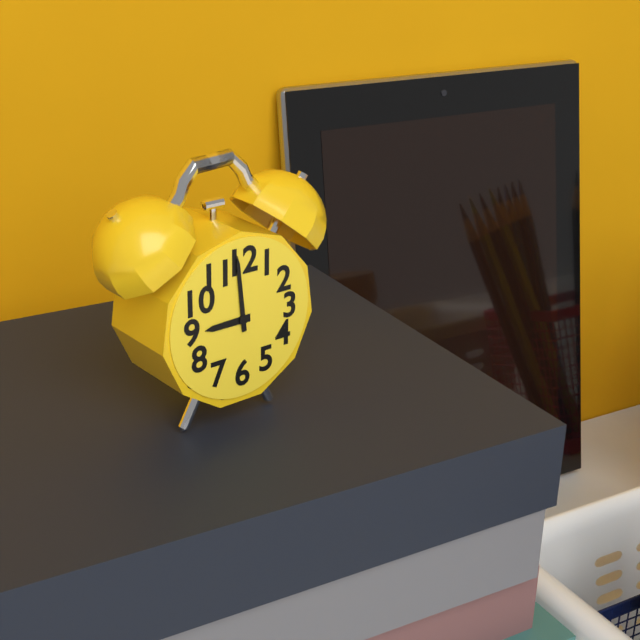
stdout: **8:59**
